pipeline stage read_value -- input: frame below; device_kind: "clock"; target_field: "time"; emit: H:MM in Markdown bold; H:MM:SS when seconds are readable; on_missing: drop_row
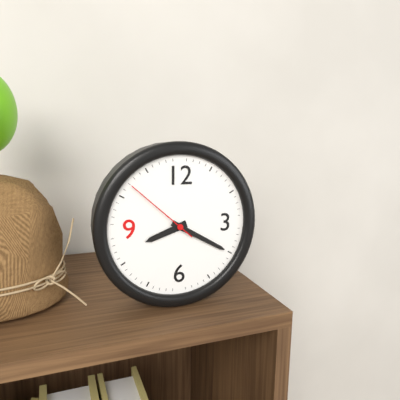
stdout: **8:20:52**
